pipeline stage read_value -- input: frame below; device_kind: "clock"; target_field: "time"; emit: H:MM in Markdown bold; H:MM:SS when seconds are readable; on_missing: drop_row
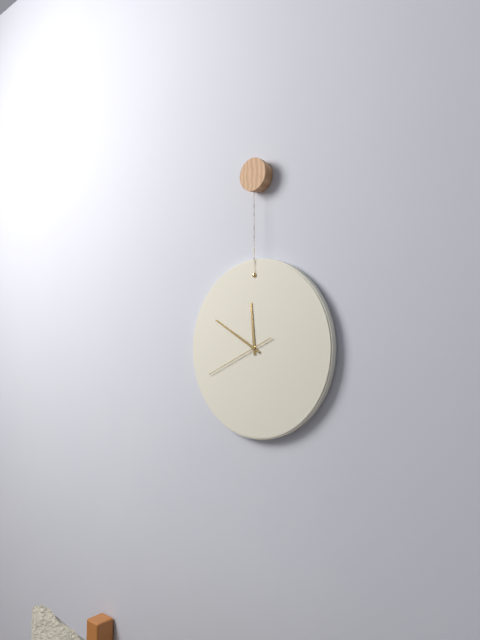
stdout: **11:50:41**
